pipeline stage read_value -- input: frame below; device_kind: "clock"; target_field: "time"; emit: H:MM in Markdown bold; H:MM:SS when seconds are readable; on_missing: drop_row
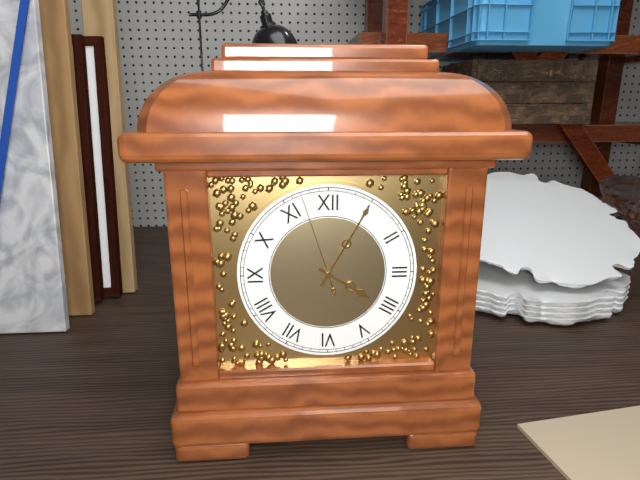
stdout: **4:05:57**
